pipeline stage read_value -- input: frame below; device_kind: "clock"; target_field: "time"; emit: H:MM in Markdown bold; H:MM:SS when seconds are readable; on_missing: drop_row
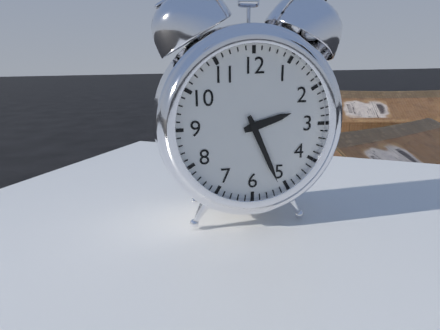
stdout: **2:26**
